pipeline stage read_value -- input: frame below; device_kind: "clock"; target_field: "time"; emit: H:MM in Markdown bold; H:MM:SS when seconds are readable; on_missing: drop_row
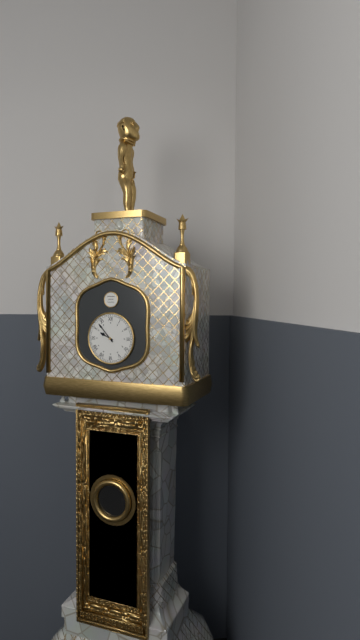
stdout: **9:53**
